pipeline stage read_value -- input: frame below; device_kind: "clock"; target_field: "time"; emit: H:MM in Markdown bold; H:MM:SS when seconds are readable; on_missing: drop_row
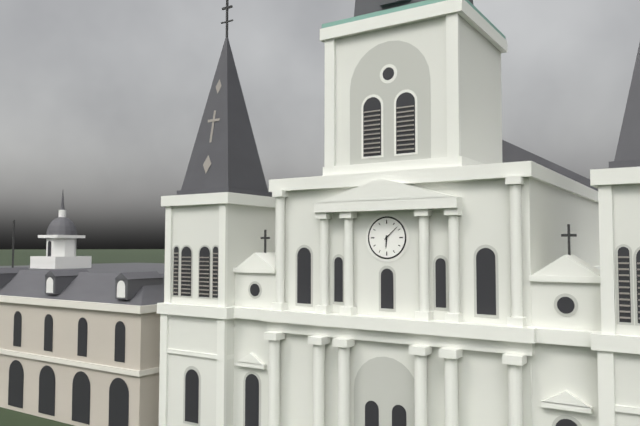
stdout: **6:08**
